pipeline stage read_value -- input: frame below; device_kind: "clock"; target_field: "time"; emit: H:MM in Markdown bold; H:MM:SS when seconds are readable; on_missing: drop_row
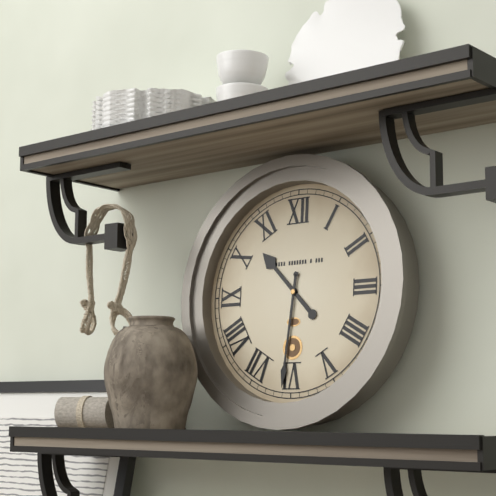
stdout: **10:31**
